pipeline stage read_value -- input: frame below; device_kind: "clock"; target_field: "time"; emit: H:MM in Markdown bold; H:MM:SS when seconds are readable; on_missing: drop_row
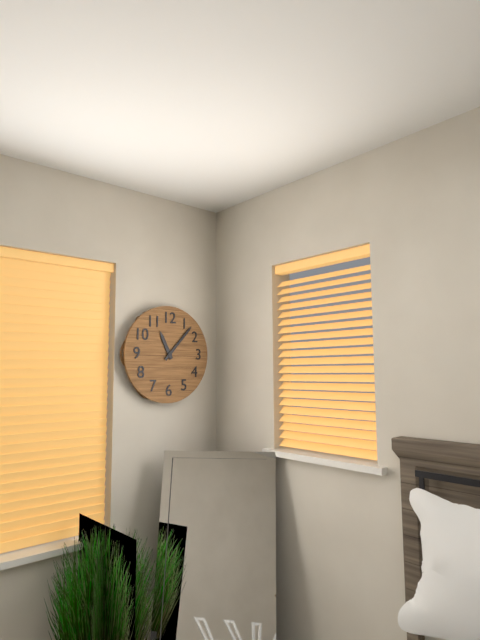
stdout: **11:07**
